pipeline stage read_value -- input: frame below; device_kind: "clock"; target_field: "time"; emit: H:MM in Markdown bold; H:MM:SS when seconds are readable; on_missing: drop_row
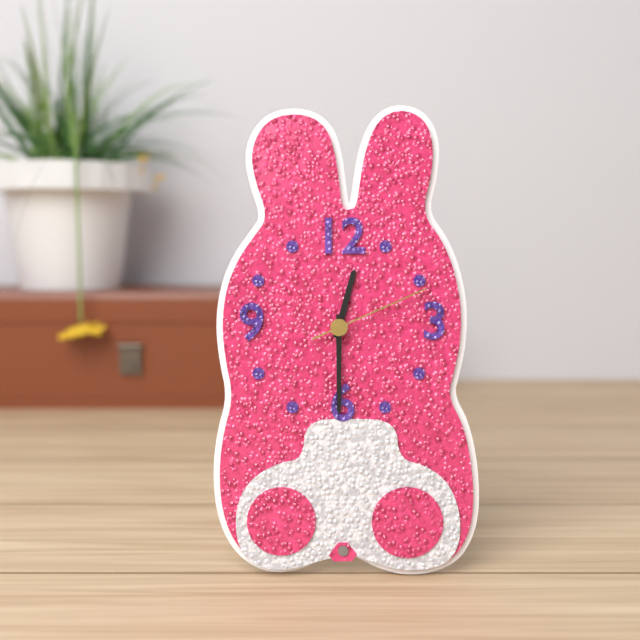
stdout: **12:30:11**
